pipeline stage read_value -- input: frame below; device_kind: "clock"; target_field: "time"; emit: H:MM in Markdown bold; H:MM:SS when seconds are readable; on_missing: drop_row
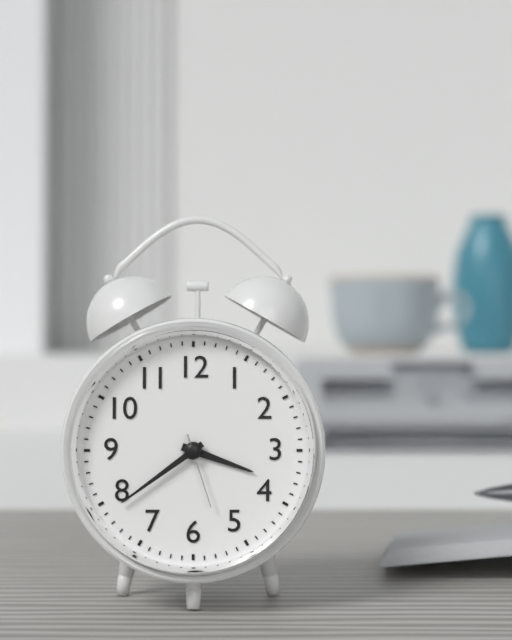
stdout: **3:39:27**
